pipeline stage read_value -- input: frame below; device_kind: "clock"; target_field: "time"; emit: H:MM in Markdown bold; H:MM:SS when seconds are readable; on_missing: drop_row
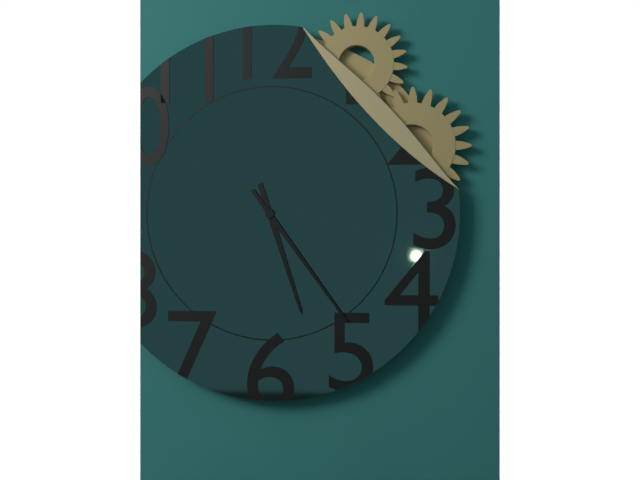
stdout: **5:24**
